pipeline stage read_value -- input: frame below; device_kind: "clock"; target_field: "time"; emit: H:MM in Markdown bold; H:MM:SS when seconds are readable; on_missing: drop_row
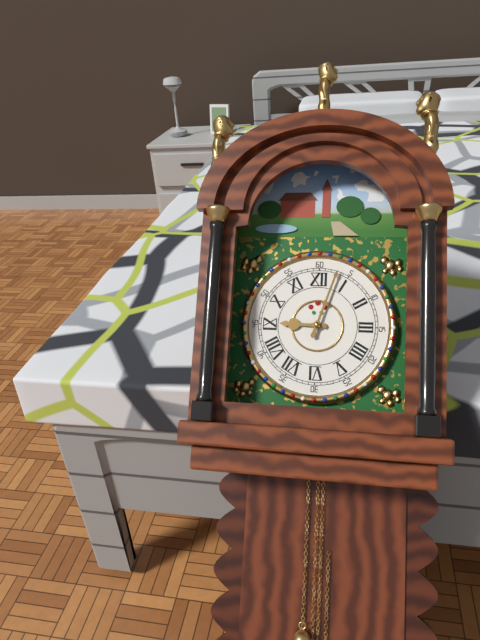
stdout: **9:03**
